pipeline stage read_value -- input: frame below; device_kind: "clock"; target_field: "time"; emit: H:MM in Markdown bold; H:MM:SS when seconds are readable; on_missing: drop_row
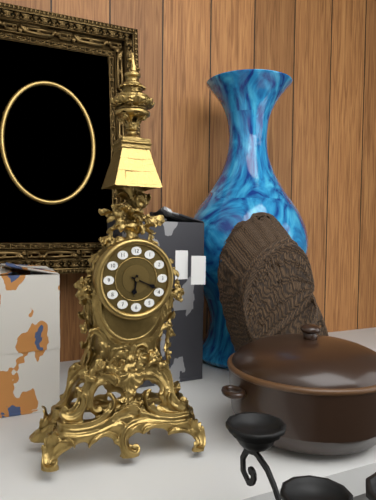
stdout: **6:19**
